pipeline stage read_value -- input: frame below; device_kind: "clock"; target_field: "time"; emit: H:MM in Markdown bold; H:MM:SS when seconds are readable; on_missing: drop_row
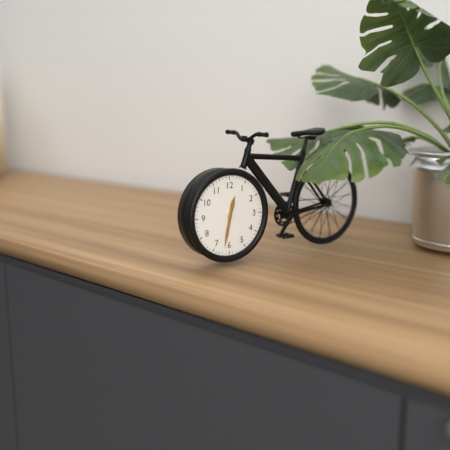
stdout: **12:32**
